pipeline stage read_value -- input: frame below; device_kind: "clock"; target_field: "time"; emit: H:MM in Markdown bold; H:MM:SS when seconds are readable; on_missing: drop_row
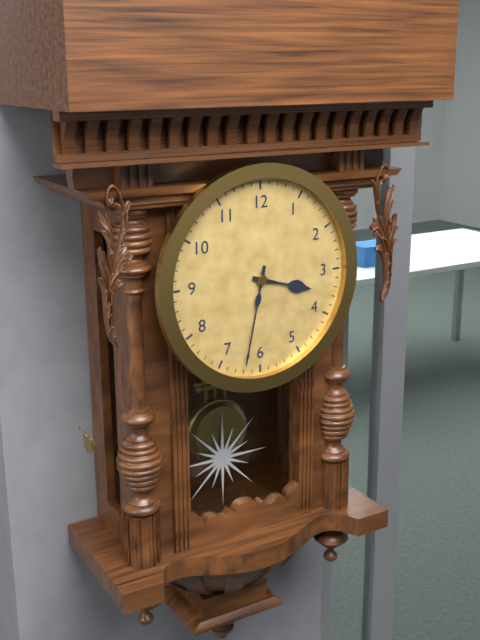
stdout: **3:32**
